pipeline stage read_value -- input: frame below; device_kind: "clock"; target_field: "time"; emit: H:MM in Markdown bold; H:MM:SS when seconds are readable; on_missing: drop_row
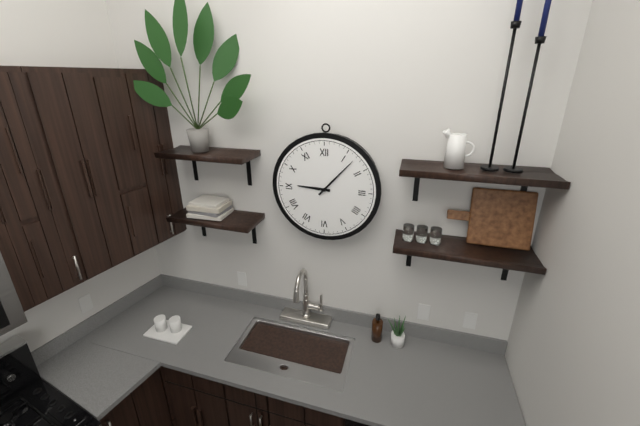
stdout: **9:07**
